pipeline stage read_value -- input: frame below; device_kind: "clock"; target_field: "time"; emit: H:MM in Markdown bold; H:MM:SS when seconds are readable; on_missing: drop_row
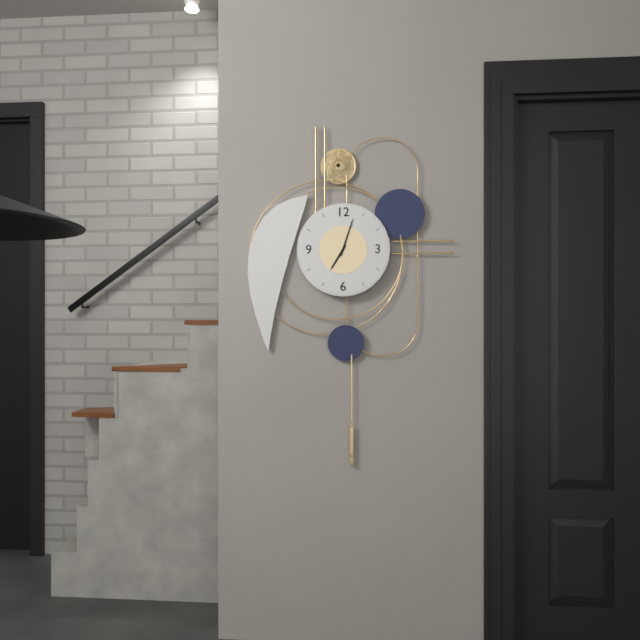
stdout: **7:03**
